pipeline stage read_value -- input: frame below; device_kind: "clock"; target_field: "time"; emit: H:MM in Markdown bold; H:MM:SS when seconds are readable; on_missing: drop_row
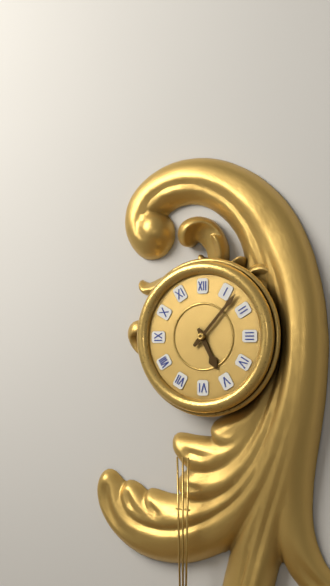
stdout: **5:07**
